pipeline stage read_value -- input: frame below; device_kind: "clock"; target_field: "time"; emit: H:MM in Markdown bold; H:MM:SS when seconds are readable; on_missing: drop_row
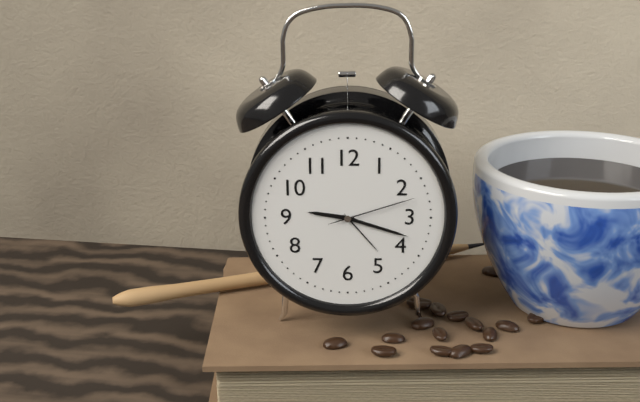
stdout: **9:18:12**
